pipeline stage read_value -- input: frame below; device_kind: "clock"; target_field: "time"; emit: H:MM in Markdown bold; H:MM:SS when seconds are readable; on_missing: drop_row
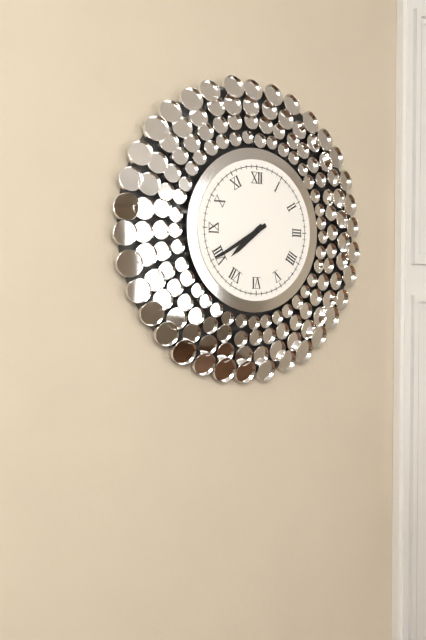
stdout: **7:40**
